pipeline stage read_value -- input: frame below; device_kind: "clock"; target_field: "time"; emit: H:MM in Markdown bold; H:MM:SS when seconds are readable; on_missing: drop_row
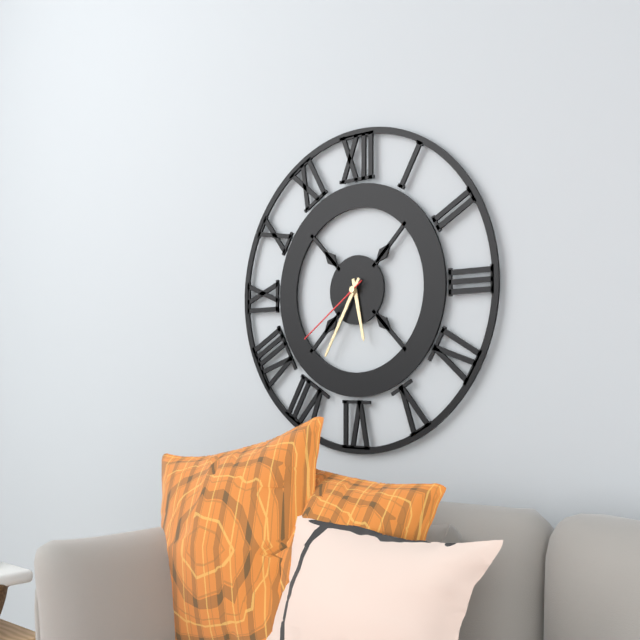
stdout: **5:35:39**
